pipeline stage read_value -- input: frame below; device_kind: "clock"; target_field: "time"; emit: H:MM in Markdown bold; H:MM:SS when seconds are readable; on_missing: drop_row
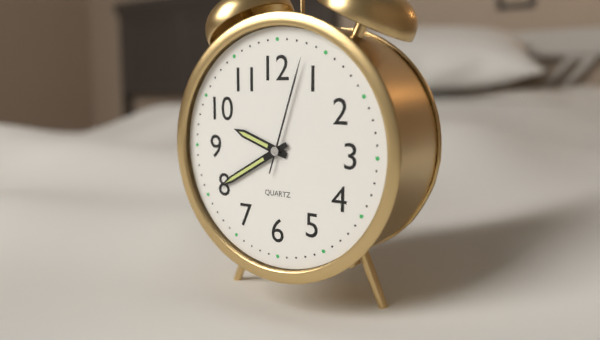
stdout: **9:40:03**
